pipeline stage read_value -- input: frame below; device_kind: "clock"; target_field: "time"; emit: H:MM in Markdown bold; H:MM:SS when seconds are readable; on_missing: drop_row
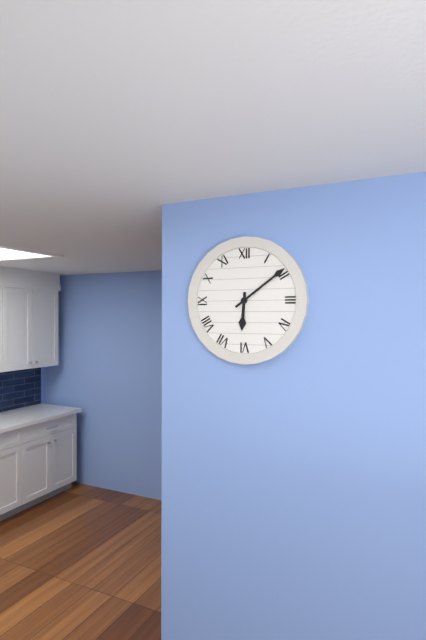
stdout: **6:09**
